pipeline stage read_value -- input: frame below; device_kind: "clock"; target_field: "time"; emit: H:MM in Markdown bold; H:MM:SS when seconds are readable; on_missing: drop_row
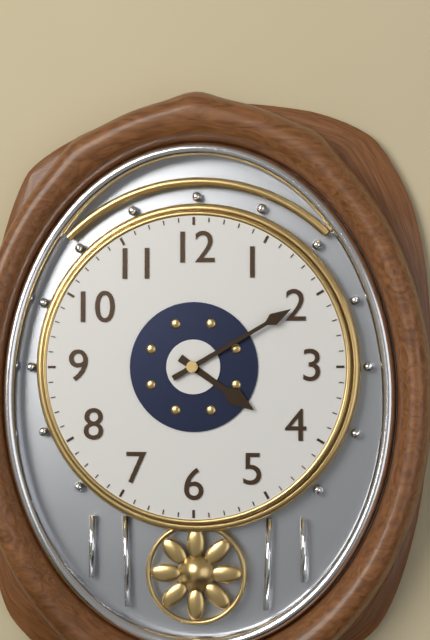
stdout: **4:10**
